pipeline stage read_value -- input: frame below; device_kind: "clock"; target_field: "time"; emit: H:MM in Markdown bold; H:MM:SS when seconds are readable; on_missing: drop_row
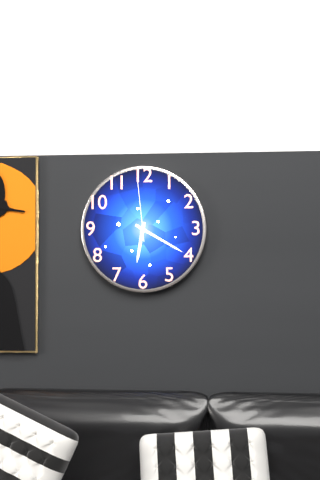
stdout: **6:20:59**
